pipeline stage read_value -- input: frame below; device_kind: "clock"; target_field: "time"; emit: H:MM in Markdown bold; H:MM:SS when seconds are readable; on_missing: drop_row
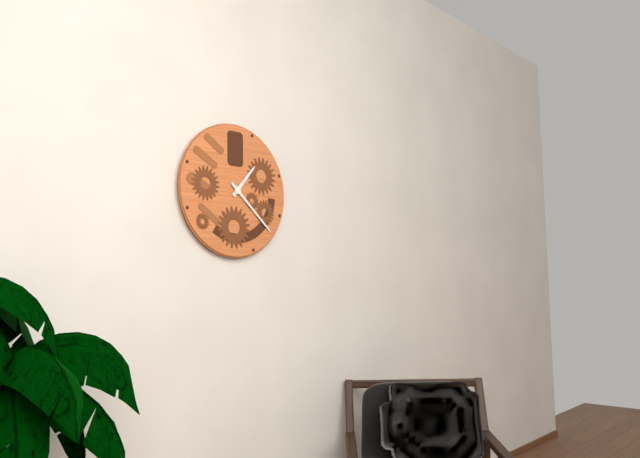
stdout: **1:22**
